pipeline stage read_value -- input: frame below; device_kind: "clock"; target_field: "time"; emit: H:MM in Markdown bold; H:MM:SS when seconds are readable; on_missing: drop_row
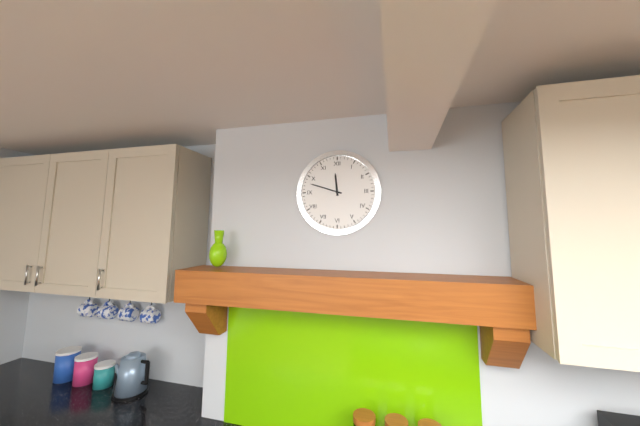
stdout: **11:48**
